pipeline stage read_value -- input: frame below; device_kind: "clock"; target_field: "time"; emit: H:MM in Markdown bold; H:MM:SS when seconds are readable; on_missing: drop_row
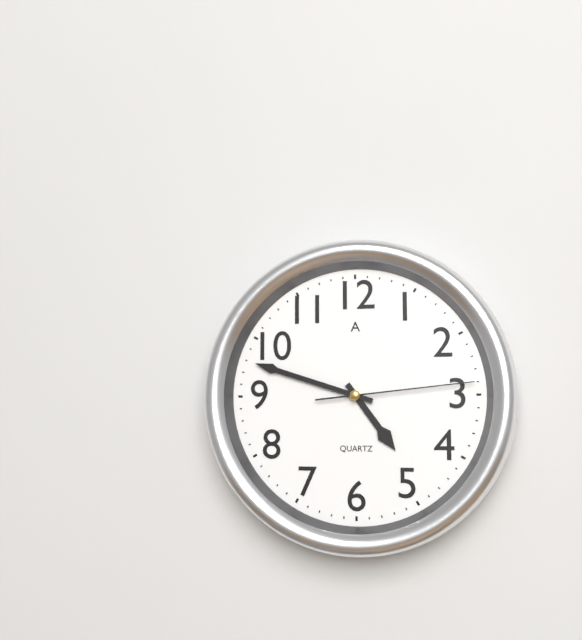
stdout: **4:48:14**
